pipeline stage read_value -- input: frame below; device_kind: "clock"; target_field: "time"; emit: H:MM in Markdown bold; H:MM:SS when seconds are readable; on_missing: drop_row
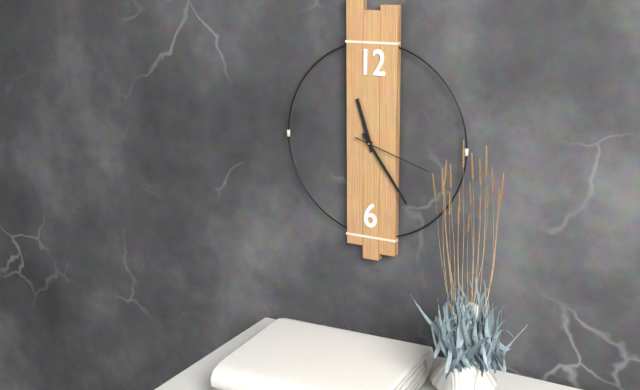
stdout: **11:24:18**
